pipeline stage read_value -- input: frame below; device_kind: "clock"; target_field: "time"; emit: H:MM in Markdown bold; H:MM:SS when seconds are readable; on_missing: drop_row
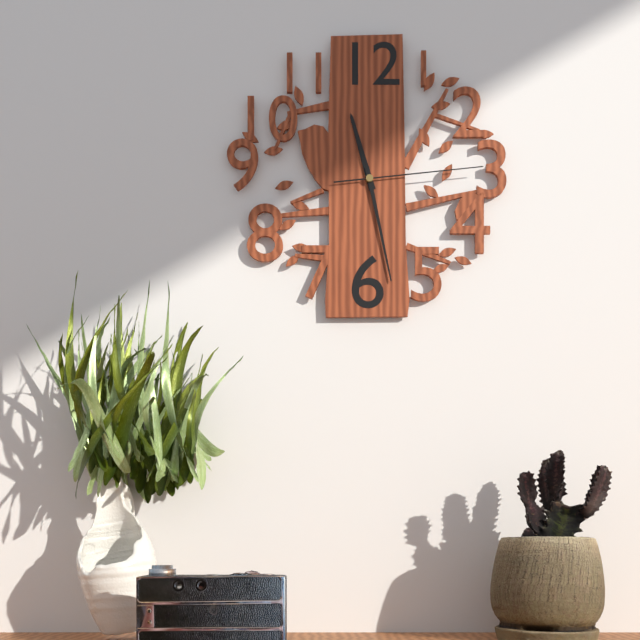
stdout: **11:28:14**
